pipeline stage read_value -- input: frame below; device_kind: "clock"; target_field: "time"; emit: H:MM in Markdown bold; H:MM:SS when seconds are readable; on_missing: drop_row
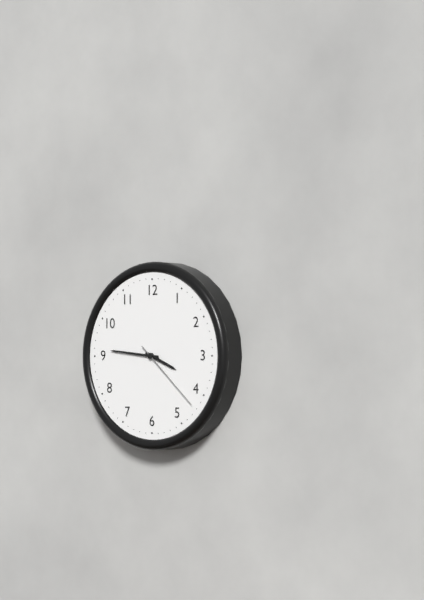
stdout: **3:46:22**
